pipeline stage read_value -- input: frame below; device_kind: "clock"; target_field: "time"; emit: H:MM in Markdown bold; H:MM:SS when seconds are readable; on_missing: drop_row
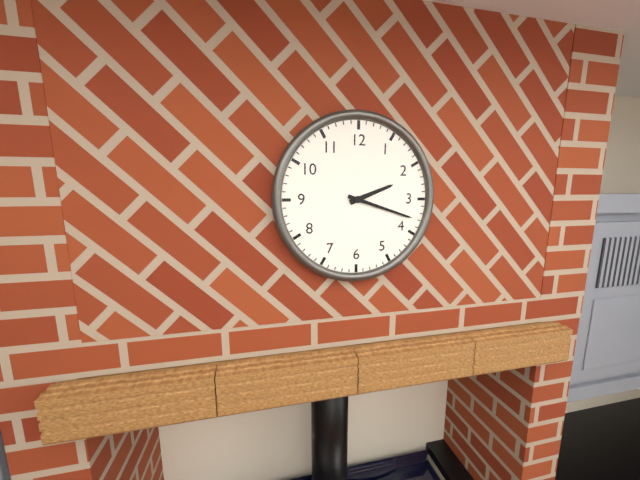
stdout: **2:18**
